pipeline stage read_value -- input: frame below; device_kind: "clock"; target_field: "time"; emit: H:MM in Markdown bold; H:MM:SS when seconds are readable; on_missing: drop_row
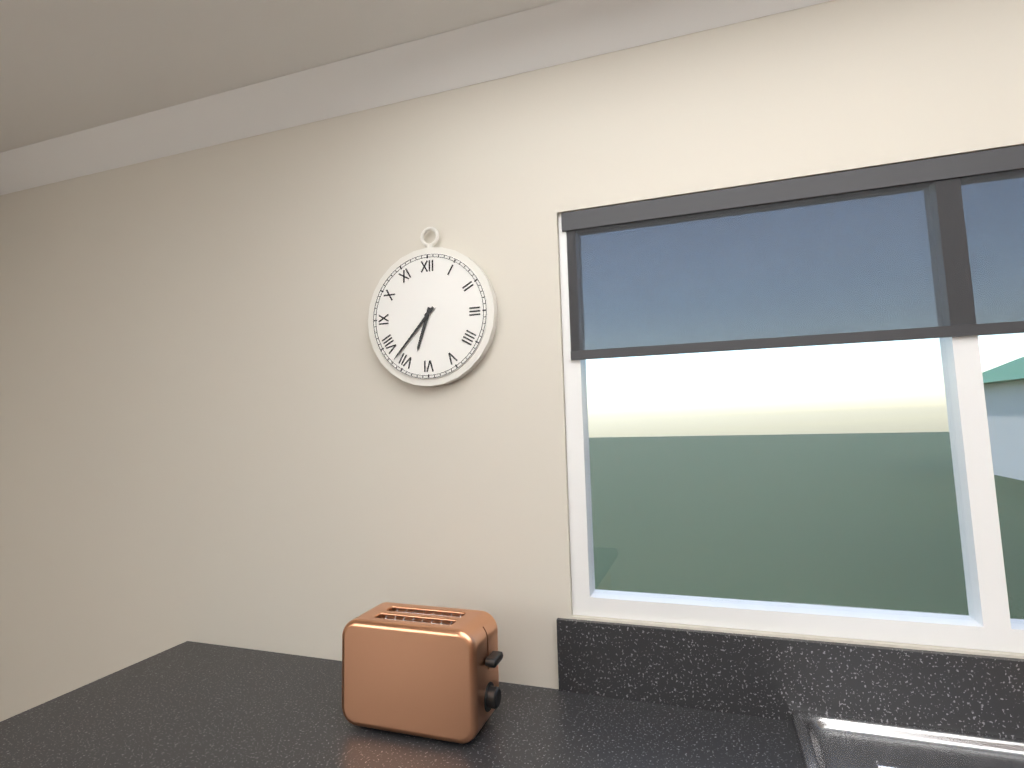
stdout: **6:37**
